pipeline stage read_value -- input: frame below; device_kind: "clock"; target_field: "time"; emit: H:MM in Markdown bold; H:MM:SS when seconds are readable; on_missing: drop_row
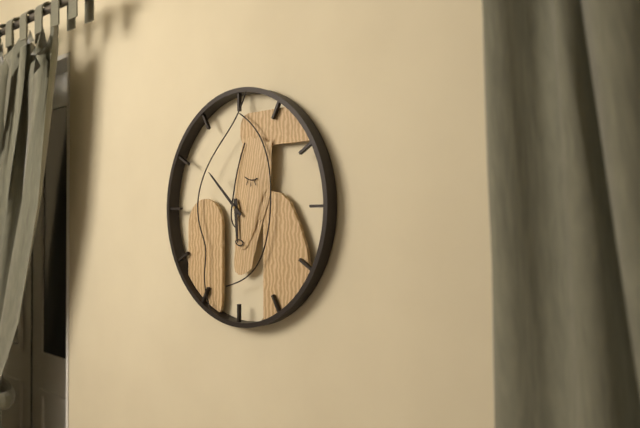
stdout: **5:52**
